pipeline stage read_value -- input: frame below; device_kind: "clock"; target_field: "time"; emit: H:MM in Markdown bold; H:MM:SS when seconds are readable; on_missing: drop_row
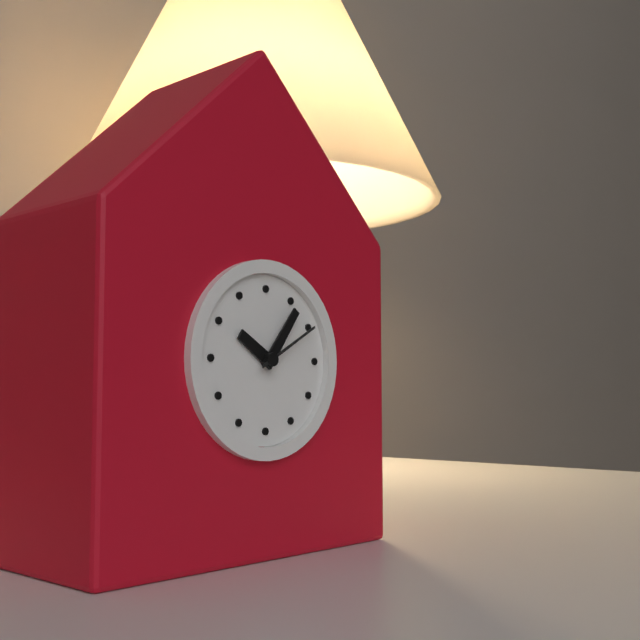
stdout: **10:06:10**
